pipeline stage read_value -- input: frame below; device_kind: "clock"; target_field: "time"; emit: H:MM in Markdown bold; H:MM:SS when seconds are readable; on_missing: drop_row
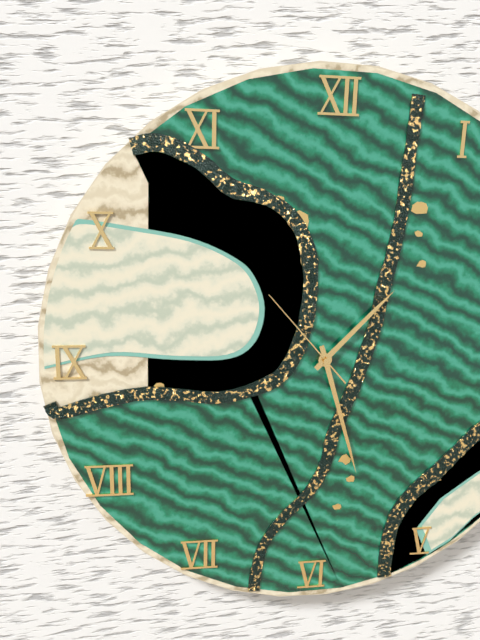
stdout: **1:27:53**
